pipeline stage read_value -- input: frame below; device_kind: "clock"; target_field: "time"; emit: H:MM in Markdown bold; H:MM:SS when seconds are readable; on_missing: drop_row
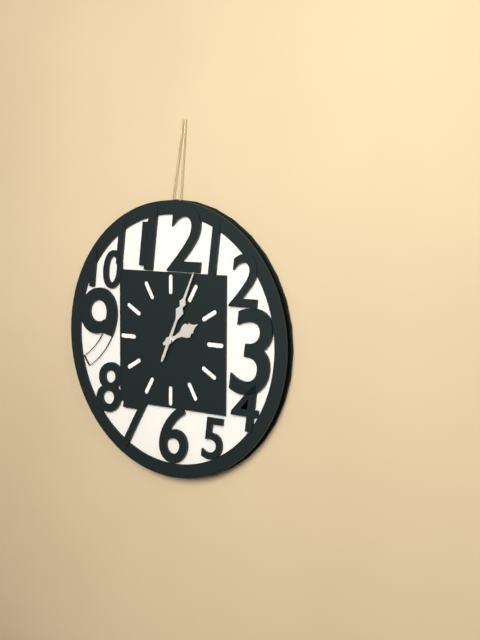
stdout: **2:04**
